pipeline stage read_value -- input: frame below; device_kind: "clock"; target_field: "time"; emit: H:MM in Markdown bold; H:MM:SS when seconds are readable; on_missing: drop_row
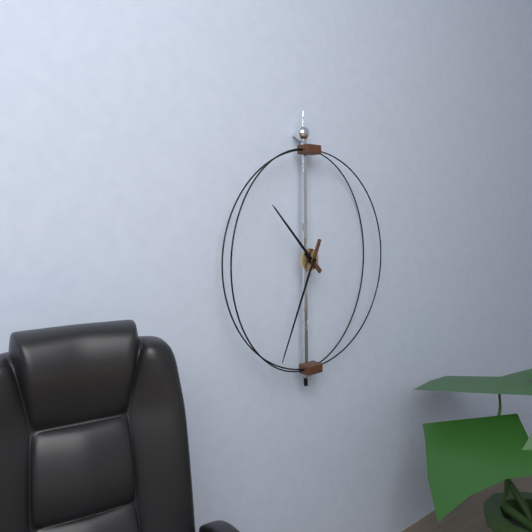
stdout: **10:34**
